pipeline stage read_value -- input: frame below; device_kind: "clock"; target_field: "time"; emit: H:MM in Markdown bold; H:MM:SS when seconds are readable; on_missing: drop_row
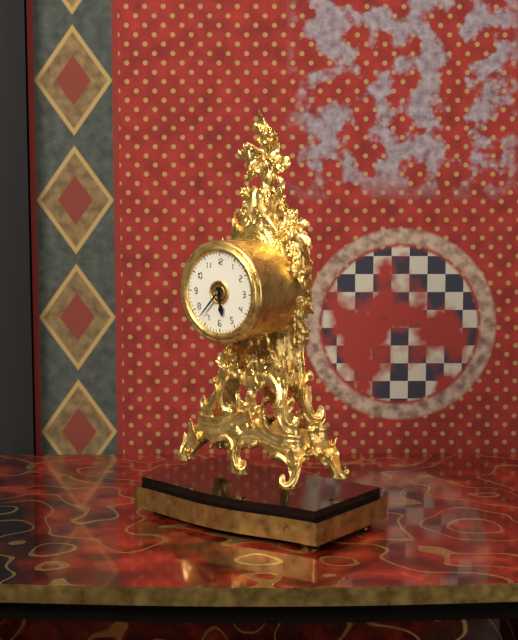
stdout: **5:37**
